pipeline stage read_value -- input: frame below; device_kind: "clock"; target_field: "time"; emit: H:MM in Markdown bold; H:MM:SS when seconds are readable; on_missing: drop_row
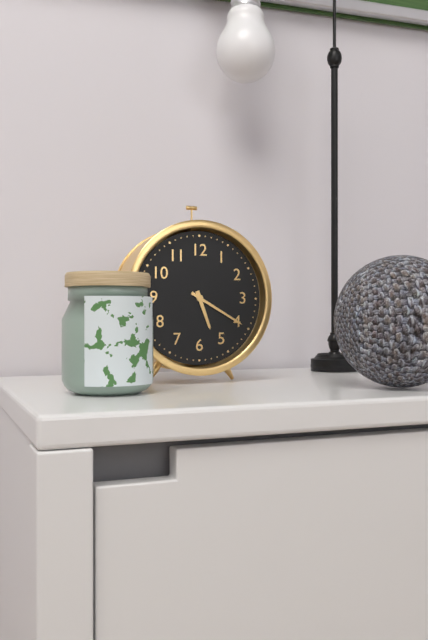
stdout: **5:20**
